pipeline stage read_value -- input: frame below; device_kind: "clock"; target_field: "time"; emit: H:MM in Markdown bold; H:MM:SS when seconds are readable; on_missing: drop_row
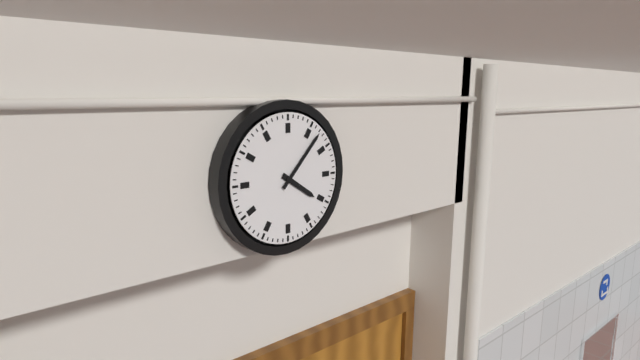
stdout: **4:07**
